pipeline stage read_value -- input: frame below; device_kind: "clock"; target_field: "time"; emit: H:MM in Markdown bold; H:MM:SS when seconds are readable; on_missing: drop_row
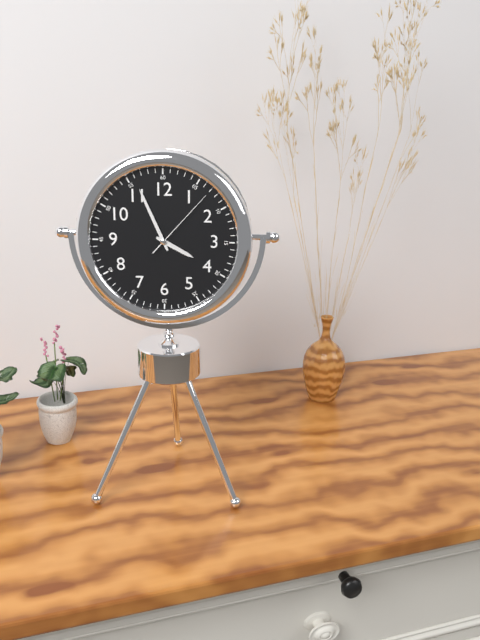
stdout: **3:56:07**
